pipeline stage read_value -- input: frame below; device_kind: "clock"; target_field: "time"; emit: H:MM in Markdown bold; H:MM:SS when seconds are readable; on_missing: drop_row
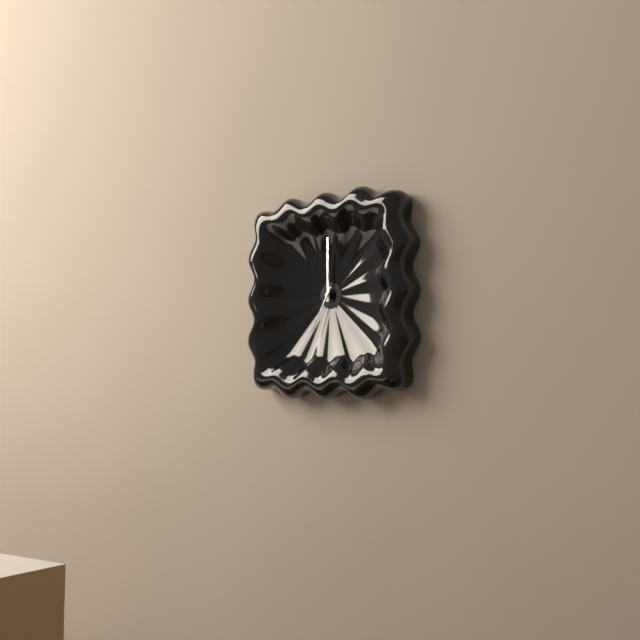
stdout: **12:00:35**
